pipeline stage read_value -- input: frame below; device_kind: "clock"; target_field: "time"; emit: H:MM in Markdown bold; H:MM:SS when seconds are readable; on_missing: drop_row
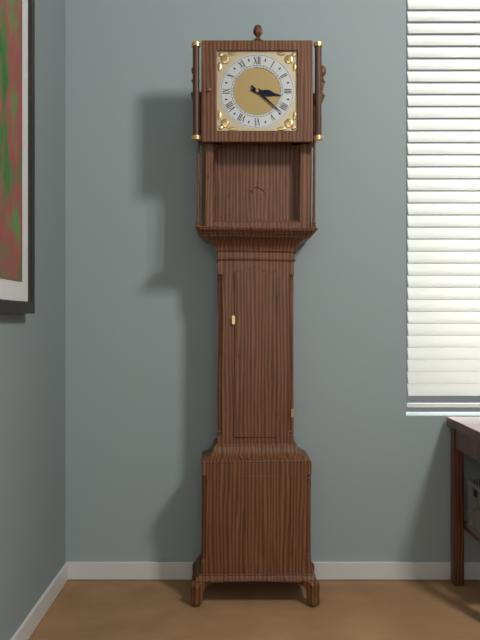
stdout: **3:22**
